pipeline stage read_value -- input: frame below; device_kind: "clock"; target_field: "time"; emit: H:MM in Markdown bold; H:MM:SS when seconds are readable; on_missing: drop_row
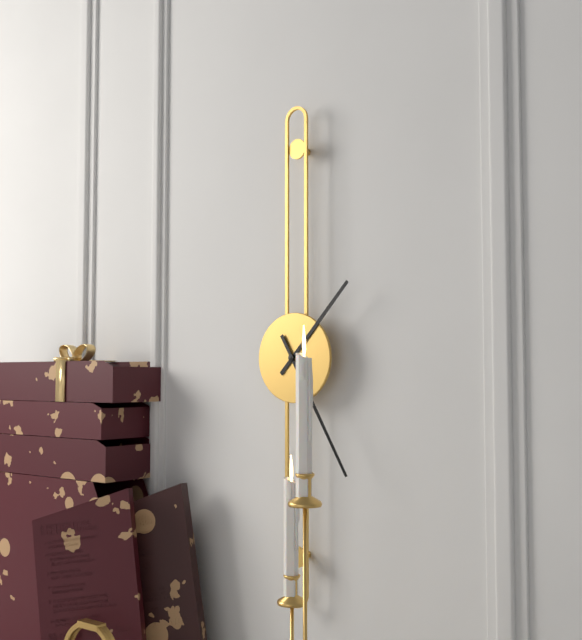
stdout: **1:25**
